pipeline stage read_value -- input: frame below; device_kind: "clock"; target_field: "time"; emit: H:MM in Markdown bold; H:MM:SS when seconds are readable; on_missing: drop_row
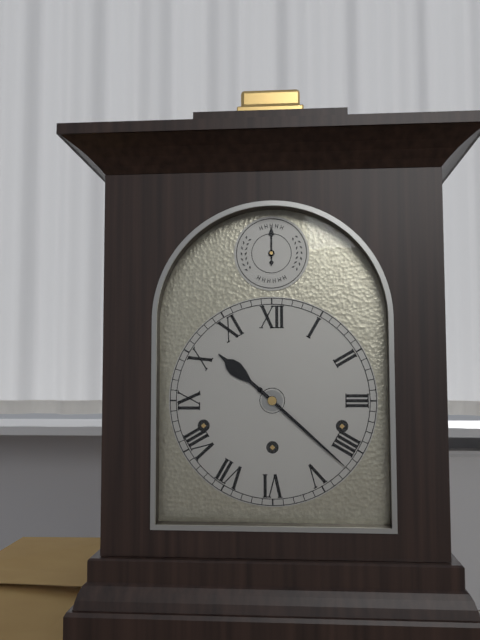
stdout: **10:22**
